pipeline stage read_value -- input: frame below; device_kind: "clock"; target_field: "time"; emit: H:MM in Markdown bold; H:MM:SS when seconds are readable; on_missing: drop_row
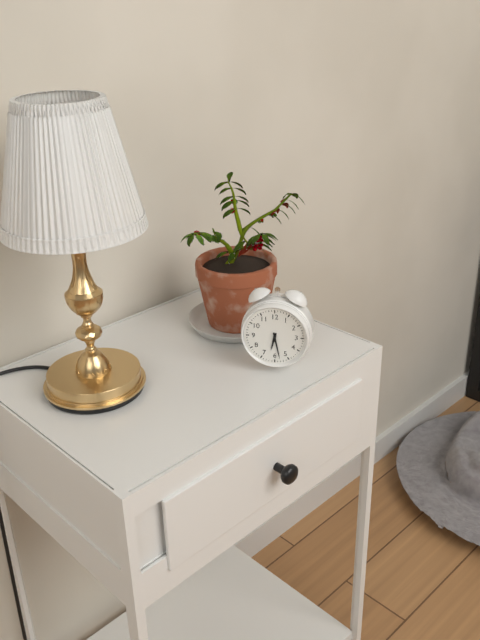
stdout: **6:28**
